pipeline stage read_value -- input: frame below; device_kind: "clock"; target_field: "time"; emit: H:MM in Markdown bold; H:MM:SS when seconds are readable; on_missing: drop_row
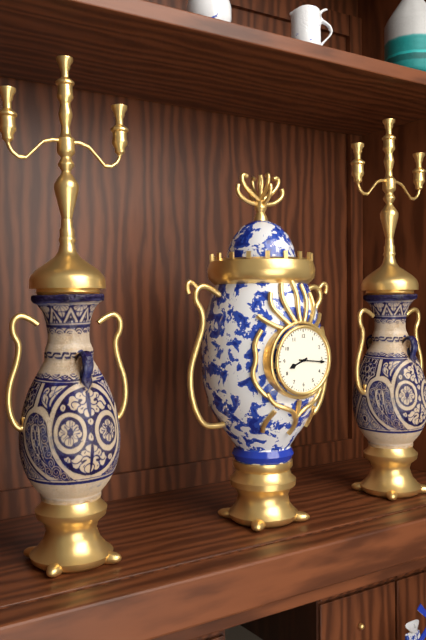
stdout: **8:16**
